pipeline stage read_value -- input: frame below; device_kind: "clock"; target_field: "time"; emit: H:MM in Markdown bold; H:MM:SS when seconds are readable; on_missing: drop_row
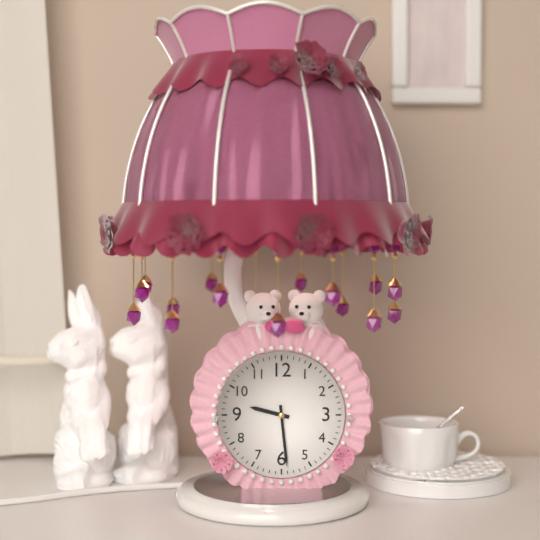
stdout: **9:29**
